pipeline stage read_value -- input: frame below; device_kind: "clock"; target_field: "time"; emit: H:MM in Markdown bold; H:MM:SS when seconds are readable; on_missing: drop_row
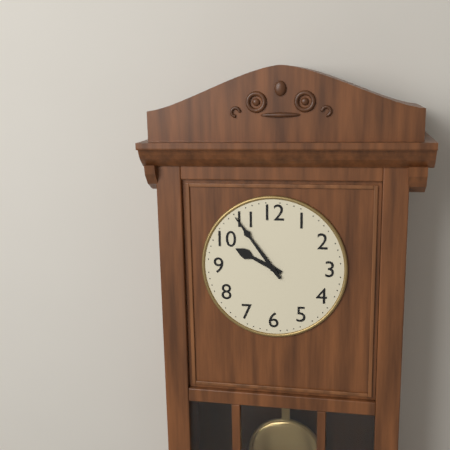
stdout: **9:54**
